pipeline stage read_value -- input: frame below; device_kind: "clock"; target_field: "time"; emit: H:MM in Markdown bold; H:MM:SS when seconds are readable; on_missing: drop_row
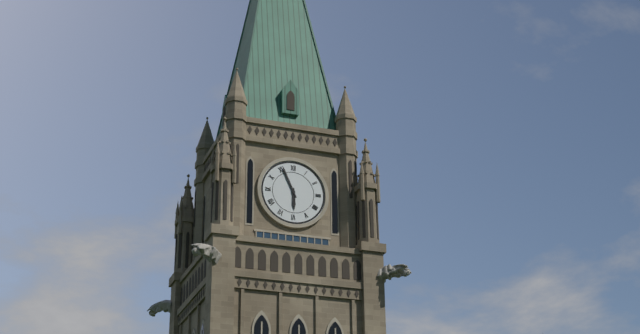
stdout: **5:56**
